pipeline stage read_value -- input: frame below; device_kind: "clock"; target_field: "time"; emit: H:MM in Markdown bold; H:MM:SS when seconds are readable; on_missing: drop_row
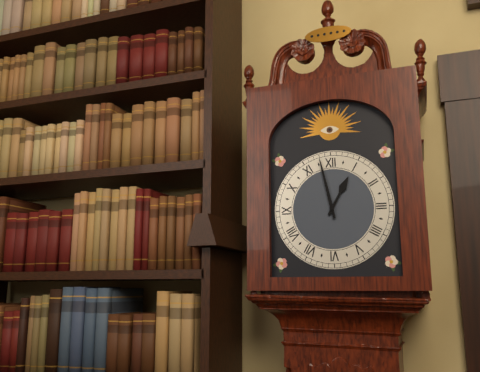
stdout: **12:58**
